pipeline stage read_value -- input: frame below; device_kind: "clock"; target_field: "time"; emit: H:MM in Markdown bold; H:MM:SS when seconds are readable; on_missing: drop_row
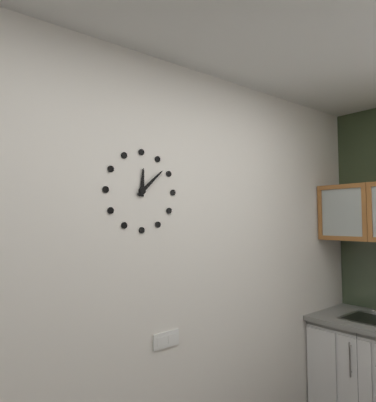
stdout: **12:08**
